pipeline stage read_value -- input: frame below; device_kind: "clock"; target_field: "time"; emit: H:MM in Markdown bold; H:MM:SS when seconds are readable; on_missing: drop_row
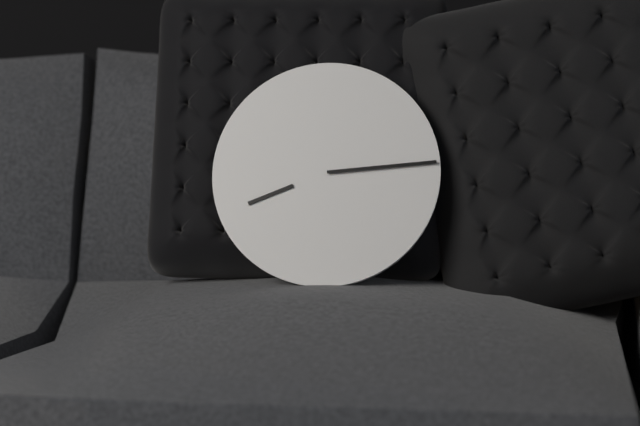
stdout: **8:14**
